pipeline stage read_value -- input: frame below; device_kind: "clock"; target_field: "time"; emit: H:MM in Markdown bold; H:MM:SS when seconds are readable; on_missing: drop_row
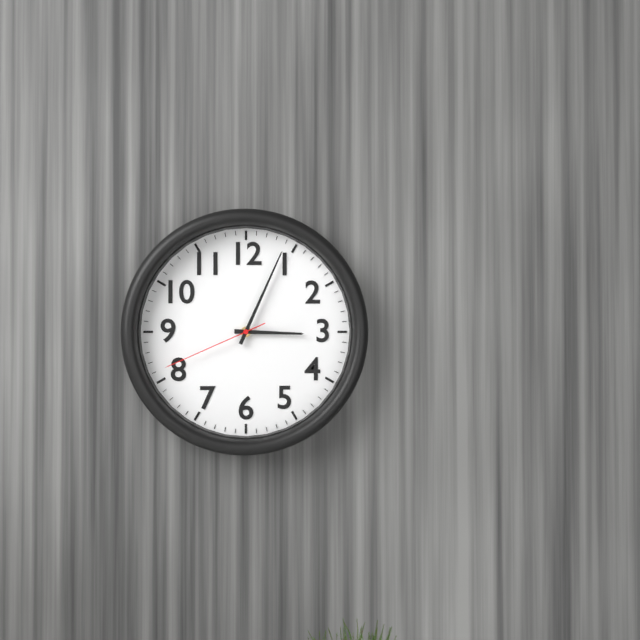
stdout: **3:04:41**
